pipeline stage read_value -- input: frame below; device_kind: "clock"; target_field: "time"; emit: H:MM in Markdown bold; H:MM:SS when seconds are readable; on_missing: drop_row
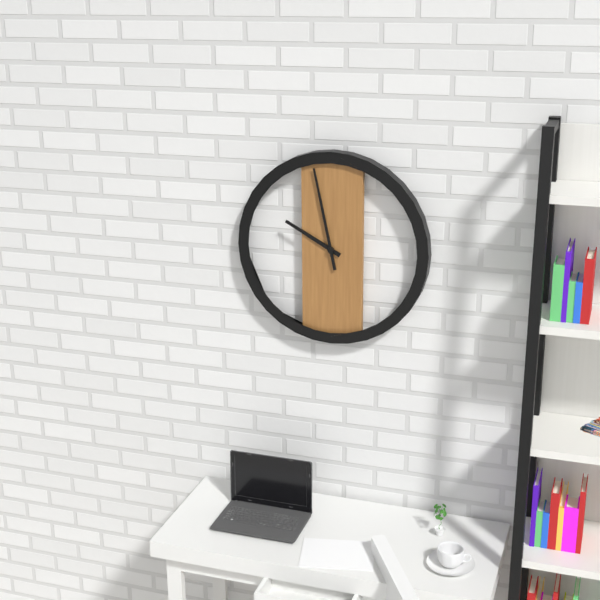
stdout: **9:58**
